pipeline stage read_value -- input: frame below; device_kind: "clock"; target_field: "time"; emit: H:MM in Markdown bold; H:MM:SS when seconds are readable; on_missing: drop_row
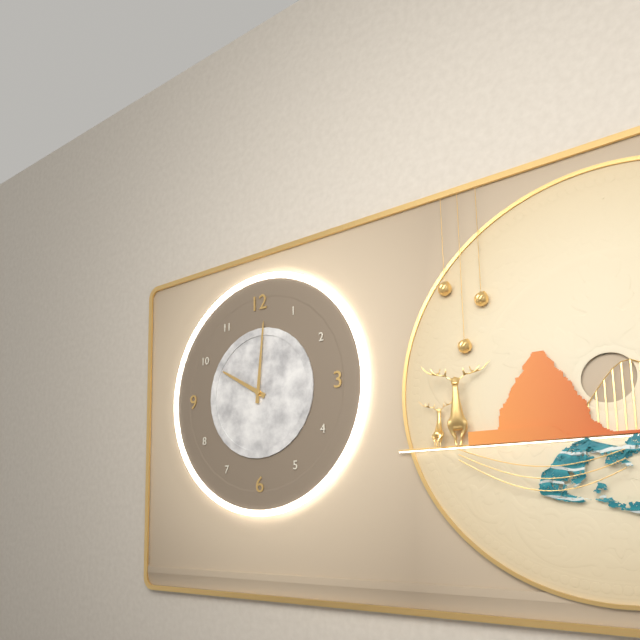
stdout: **10:01**
